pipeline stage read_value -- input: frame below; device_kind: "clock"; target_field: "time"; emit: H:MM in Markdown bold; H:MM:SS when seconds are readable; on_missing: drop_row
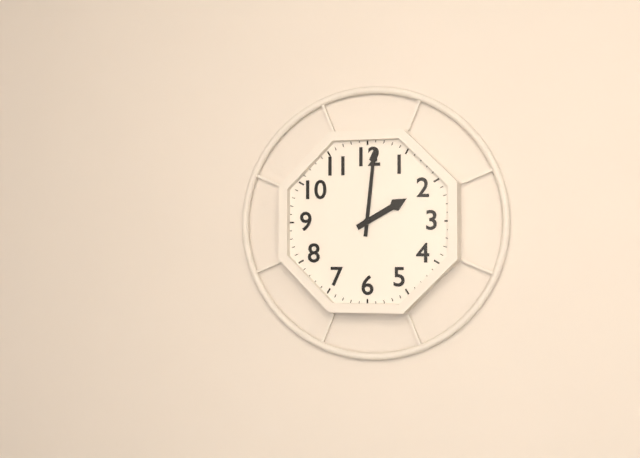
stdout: **2:01**
